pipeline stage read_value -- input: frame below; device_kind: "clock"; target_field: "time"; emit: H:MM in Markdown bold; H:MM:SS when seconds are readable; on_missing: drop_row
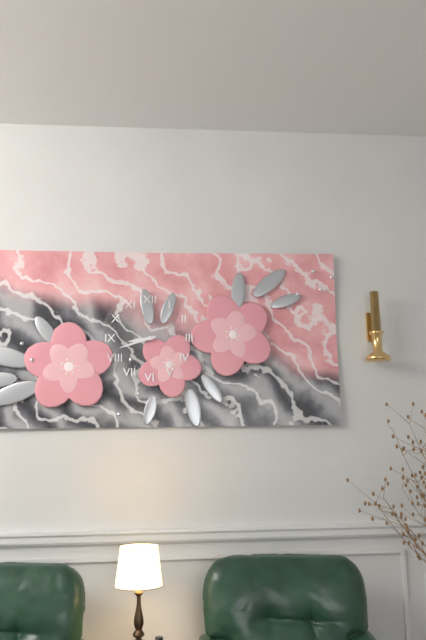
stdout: **8:42**
